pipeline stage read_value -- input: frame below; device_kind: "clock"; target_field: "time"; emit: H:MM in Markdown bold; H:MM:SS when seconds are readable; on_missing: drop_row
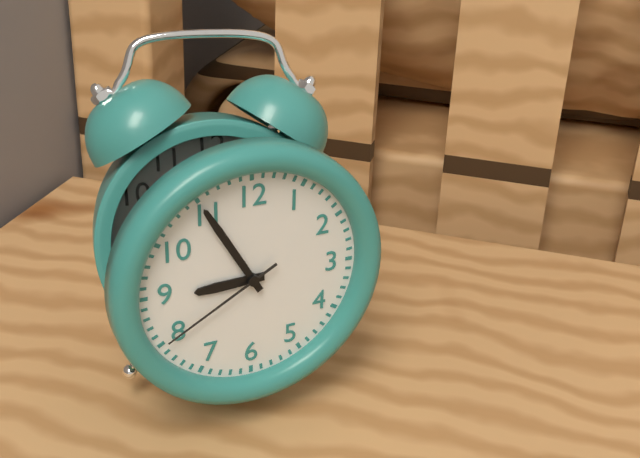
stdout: **8:55:40**
